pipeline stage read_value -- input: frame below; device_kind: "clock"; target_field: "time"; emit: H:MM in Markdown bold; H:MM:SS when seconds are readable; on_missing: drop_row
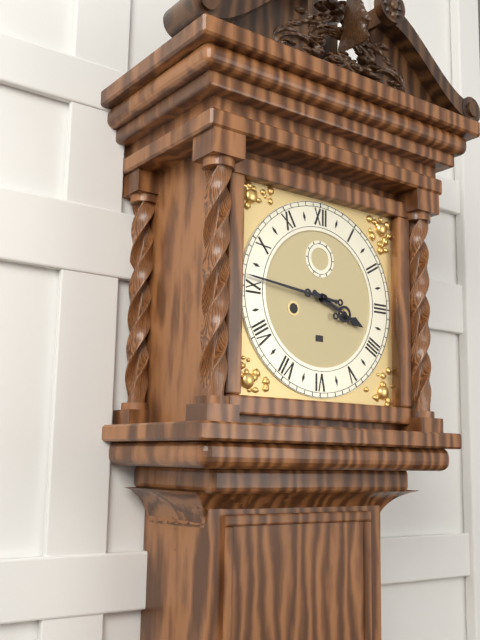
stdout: **3:46**
